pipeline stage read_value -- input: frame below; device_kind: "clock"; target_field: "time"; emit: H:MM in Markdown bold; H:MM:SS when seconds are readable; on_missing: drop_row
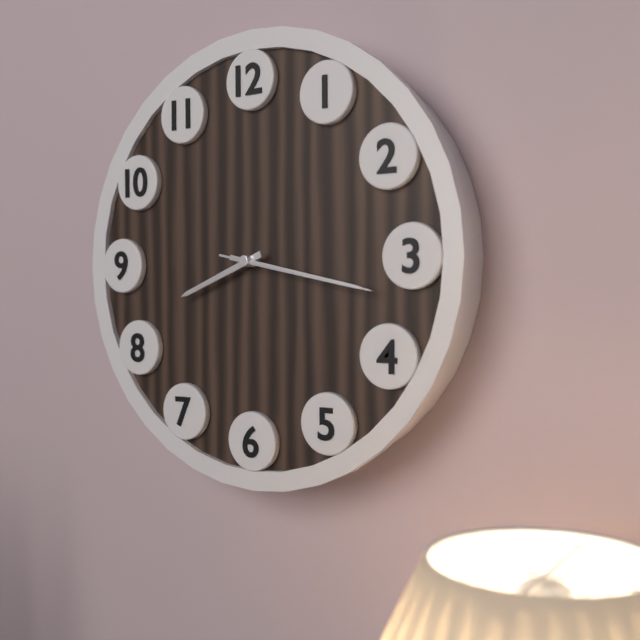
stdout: **8:17:17**
